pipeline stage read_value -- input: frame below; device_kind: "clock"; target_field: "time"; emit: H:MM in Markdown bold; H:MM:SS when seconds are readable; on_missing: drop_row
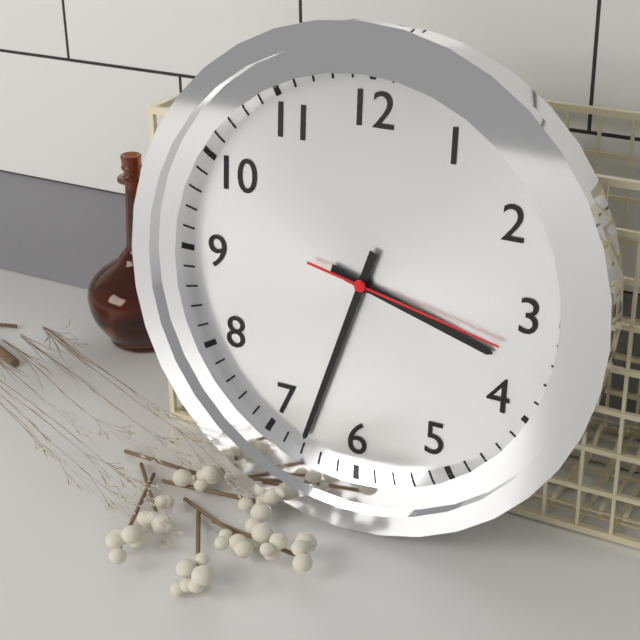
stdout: **3:33:17**
